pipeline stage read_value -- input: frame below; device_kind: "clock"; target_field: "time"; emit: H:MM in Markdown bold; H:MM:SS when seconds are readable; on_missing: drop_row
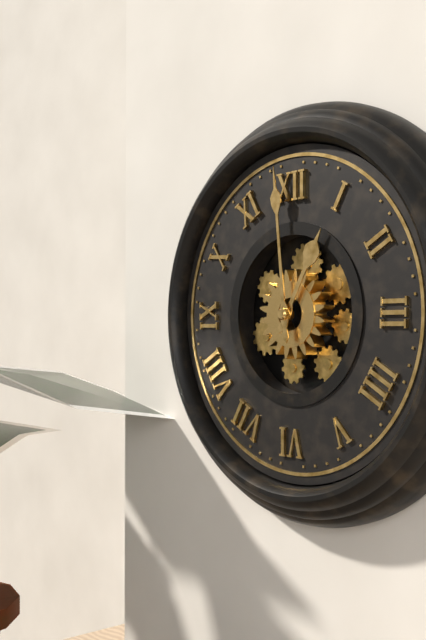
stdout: **12:59**
